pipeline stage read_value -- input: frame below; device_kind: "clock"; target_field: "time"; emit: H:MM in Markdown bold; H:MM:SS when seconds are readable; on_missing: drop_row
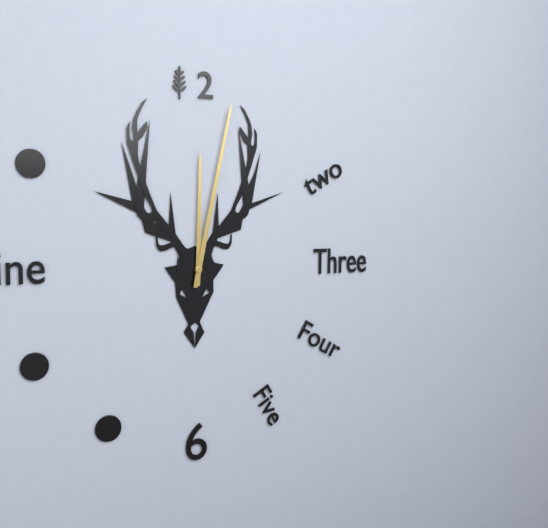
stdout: **12:02**
